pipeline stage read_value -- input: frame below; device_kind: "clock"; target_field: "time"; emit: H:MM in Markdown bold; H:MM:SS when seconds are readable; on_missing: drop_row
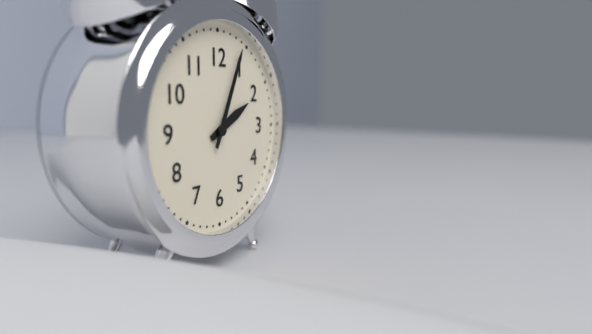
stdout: **2:04**
